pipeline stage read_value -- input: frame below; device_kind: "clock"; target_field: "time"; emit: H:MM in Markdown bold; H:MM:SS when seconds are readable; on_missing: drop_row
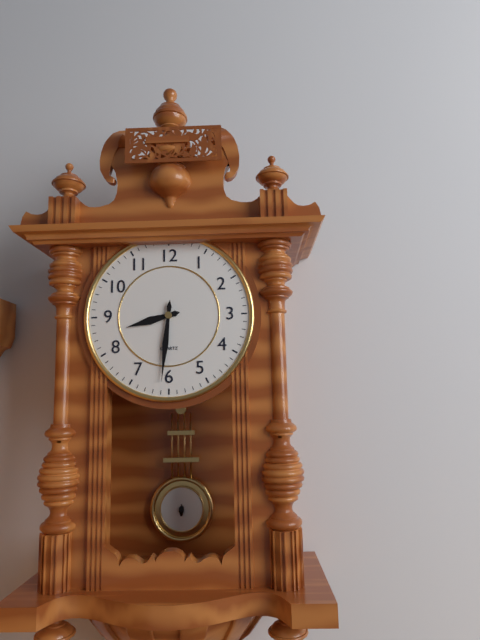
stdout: **8:31**
